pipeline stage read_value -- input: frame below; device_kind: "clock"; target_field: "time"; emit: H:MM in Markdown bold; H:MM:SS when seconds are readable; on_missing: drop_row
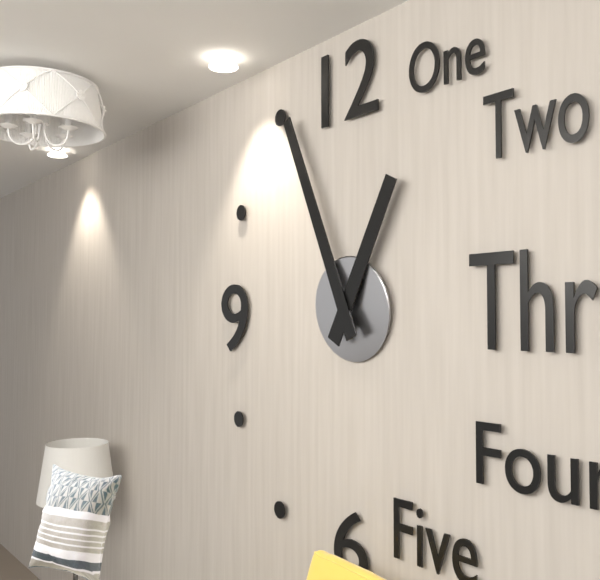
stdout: **12:56**
